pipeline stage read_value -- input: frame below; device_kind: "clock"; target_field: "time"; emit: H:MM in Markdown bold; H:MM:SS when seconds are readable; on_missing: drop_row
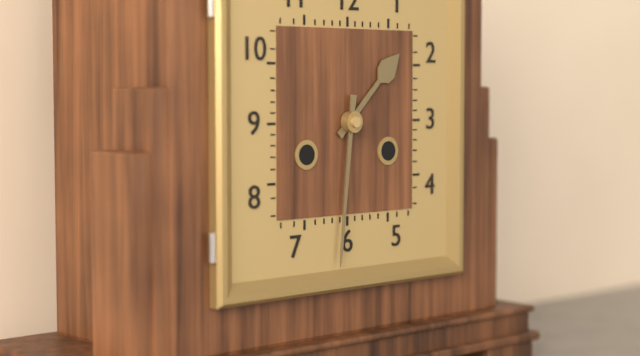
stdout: **1:31**
